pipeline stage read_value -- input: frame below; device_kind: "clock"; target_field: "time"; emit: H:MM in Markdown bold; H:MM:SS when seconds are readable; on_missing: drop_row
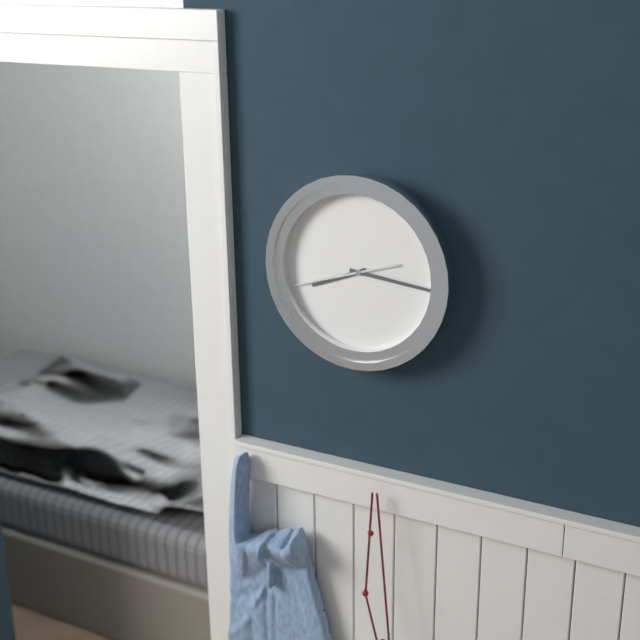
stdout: **8:16:42**
